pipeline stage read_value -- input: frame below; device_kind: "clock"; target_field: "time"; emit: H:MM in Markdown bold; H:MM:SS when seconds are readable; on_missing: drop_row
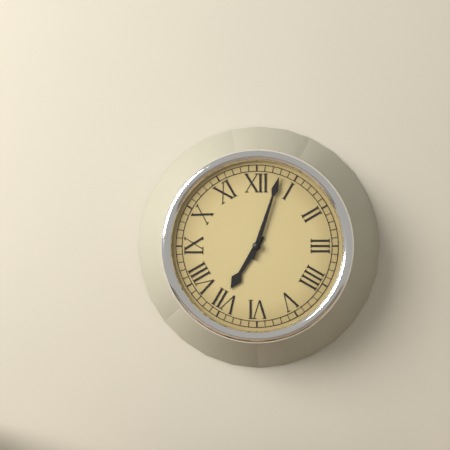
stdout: **7:03**
